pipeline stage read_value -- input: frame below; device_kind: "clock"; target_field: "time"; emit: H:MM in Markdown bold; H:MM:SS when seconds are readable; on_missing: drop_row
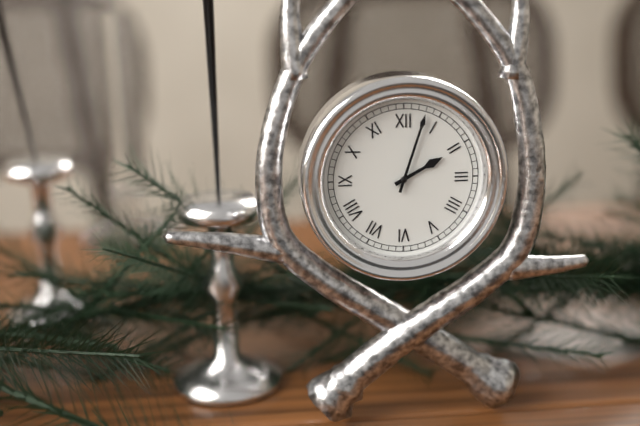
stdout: **2:03**
